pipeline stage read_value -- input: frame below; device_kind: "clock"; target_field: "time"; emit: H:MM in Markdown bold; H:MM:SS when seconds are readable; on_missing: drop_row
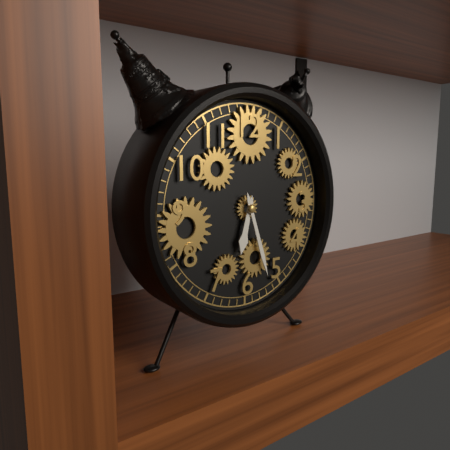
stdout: **6:27**
